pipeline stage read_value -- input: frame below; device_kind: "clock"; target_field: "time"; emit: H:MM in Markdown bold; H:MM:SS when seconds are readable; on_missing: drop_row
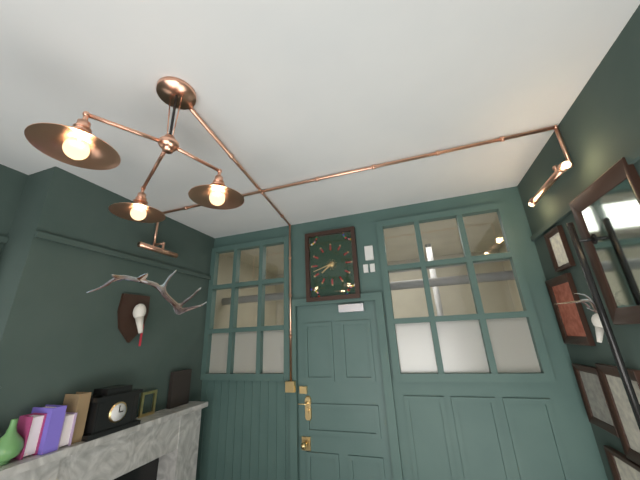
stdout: **7:42**
